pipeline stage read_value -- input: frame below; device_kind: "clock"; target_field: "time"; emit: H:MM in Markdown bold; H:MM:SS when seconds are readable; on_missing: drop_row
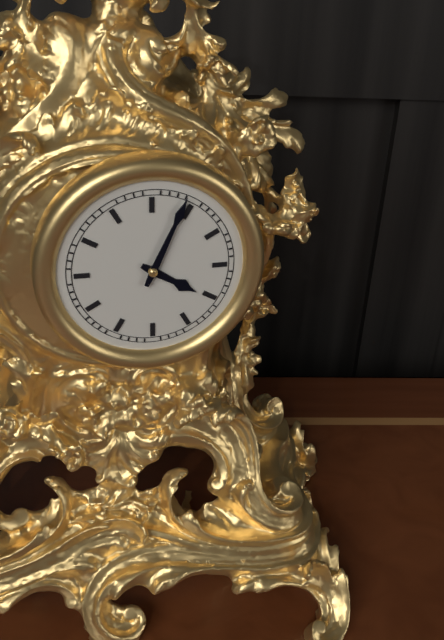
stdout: **4:04**
